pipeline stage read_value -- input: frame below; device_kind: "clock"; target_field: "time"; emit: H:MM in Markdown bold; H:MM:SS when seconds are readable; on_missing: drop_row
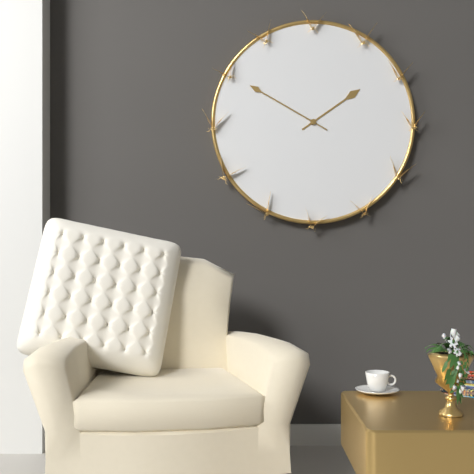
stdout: **1:50**
